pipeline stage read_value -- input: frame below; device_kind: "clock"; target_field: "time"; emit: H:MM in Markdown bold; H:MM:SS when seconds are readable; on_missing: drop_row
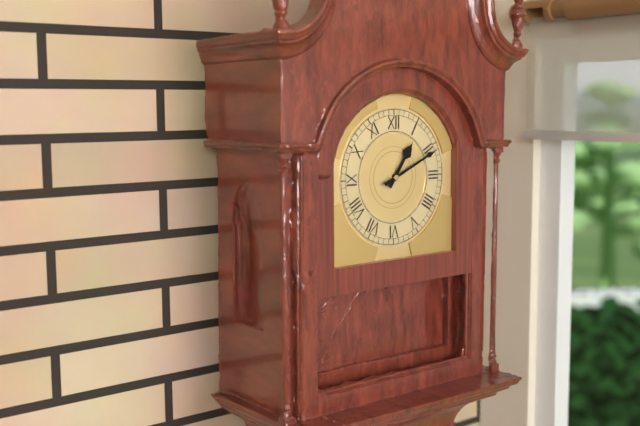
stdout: **1:11**
